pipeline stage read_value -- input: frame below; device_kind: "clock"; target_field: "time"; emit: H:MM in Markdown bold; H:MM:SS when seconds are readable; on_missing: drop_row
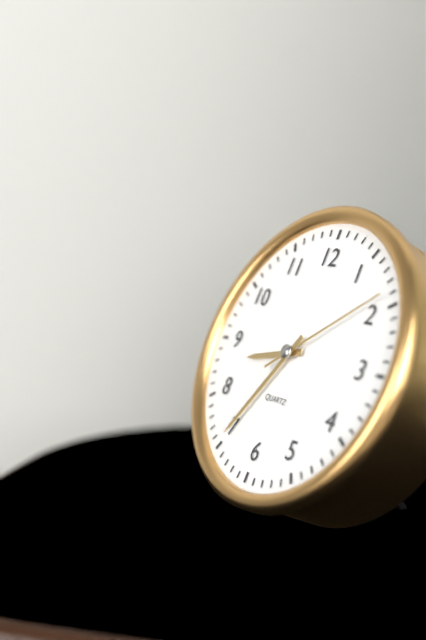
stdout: **8:35:09**
